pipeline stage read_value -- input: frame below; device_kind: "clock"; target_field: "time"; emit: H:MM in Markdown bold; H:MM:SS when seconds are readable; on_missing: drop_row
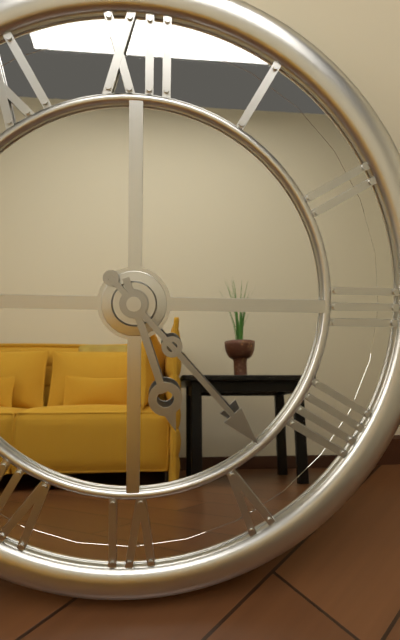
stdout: **5:23**
